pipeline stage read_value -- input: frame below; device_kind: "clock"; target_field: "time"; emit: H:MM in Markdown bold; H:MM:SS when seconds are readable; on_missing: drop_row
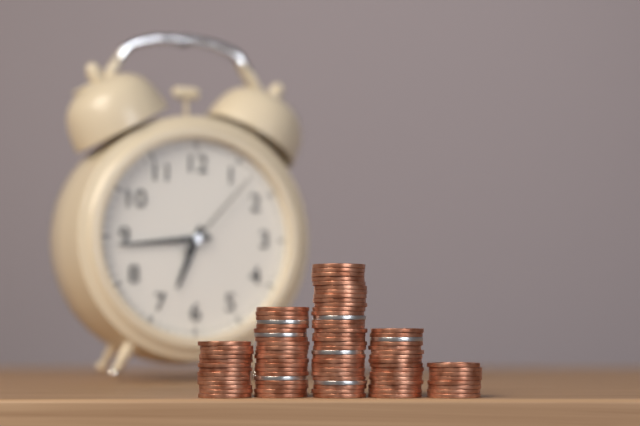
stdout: **6:44:07**
